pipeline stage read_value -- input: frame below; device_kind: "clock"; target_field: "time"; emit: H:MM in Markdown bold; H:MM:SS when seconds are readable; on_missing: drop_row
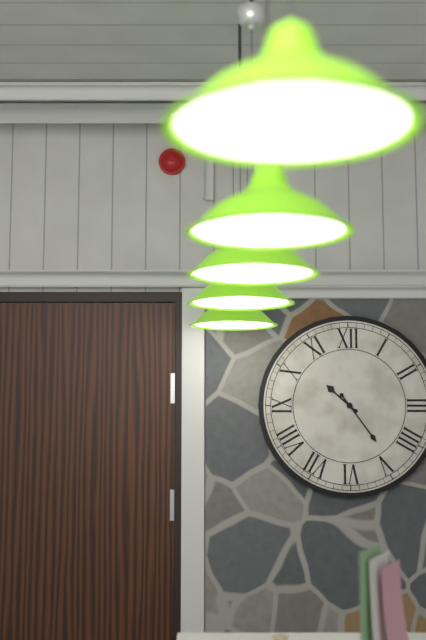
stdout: **10:24**
